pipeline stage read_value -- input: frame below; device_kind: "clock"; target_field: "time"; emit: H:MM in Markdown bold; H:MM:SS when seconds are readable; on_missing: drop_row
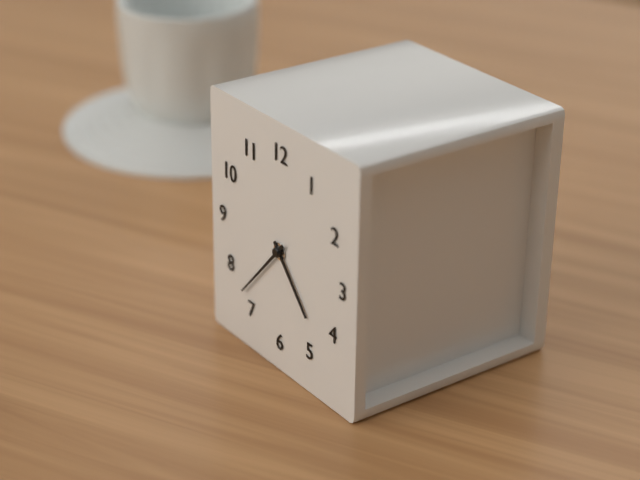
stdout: **4:37**
